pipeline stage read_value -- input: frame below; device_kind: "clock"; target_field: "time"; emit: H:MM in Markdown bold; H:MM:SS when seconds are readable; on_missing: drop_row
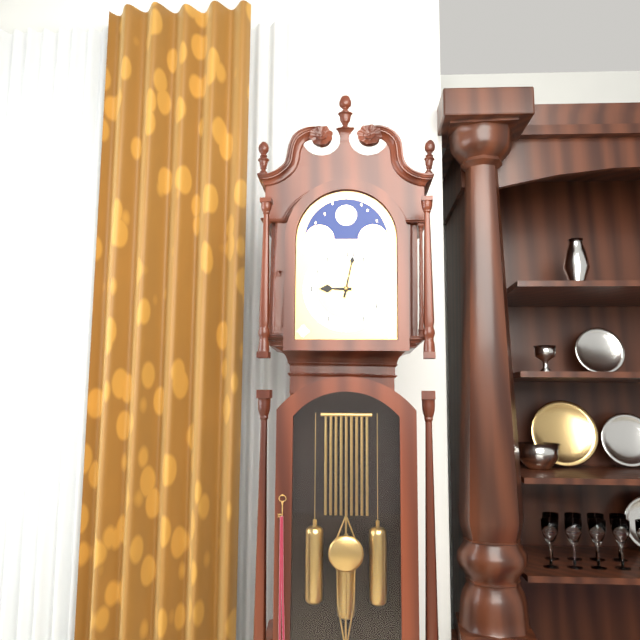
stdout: **9:02**
